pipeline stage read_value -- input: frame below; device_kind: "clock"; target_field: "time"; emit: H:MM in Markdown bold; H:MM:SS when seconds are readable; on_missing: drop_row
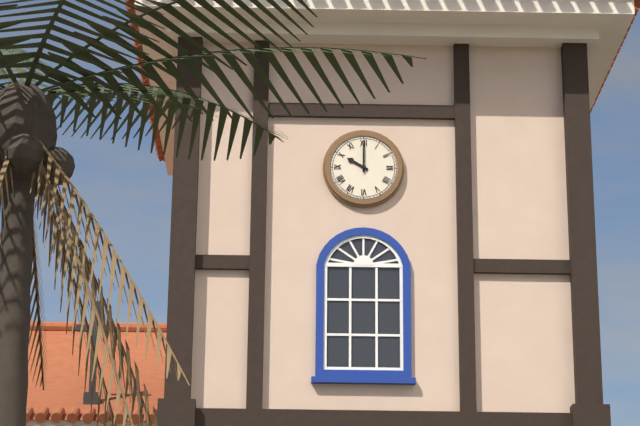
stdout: **10:00**
